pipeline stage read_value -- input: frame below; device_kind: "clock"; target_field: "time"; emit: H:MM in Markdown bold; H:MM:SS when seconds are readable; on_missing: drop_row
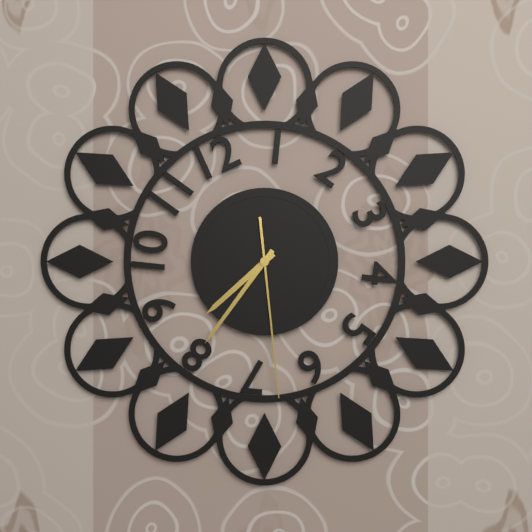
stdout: **7:36:29**
